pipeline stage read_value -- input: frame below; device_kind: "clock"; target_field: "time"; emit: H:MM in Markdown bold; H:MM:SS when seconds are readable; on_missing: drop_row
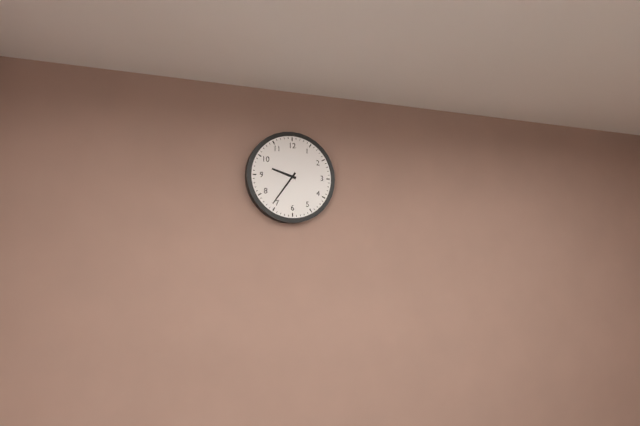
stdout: **9:36**
